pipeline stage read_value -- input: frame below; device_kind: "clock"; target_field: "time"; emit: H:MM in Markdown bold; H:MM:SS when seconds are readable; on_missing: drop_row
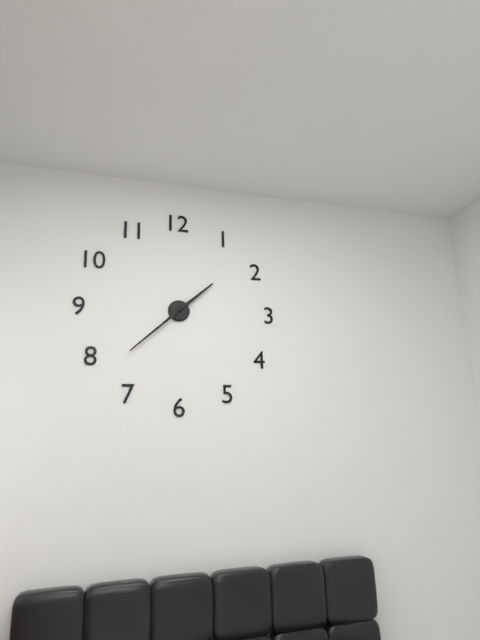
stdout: **1:38**
